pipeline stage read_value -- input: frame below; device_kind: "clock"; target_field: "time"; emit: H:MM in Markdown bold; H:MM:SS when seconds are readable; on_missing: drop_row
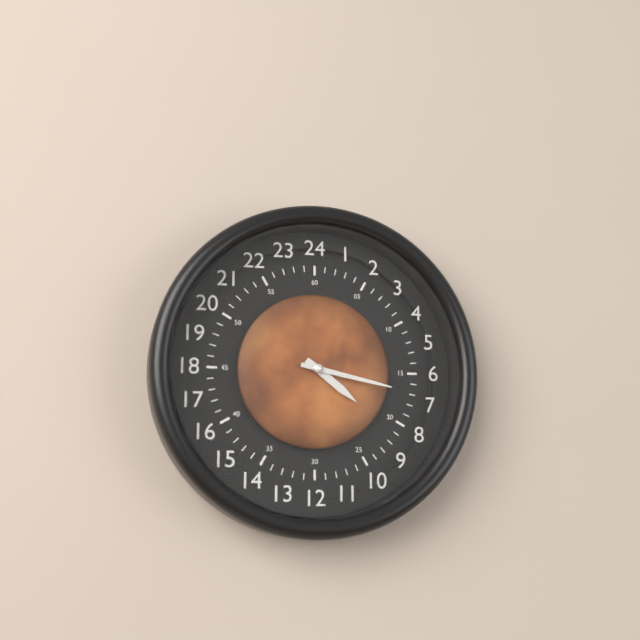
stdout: **4:17**
